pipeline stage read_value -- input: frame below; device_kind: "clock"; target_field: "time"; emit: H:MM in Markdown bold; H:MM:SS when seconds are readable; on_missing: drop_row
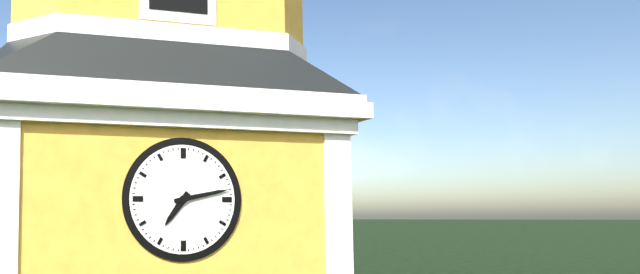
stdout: **7:13**
